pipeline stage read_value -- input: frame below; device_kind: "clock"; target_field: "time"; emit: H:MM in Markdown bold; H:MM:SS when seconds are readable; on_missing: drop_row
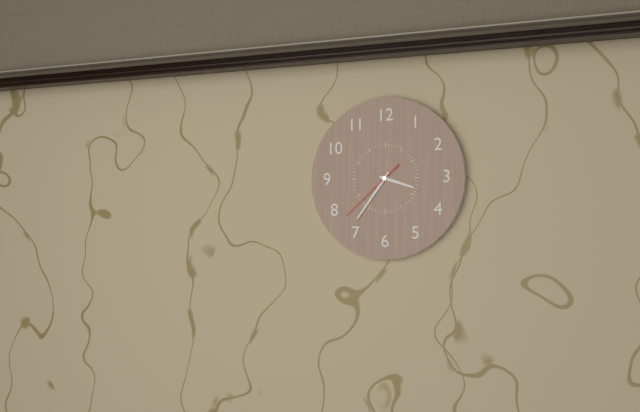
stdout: **3:36:38**
